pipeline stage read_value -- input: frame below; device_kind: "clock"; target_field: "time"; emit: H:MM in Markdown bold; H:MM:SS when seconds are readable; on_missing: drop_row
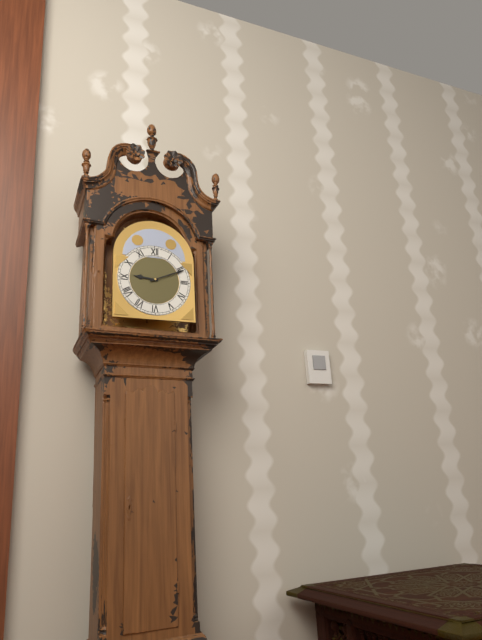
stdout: **9:11**
